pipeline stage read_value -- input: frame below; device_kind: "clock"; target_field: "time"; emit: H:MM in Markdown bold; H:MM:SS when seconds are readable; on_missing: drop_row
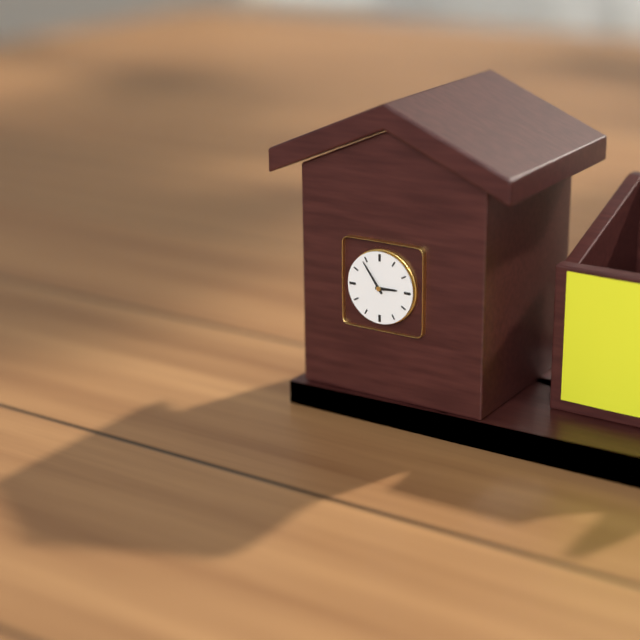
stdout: **2:54**
